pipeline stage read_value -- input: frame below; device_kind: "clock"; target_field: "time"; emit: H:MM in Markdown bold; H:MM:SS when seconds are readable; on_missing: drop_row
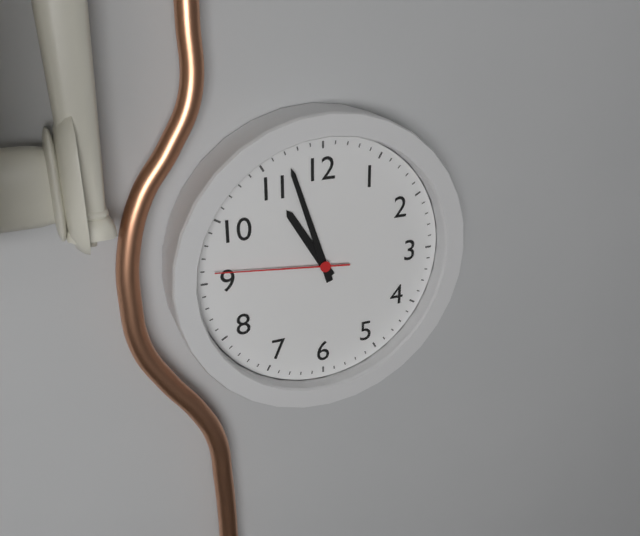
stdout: **10:57:46**
